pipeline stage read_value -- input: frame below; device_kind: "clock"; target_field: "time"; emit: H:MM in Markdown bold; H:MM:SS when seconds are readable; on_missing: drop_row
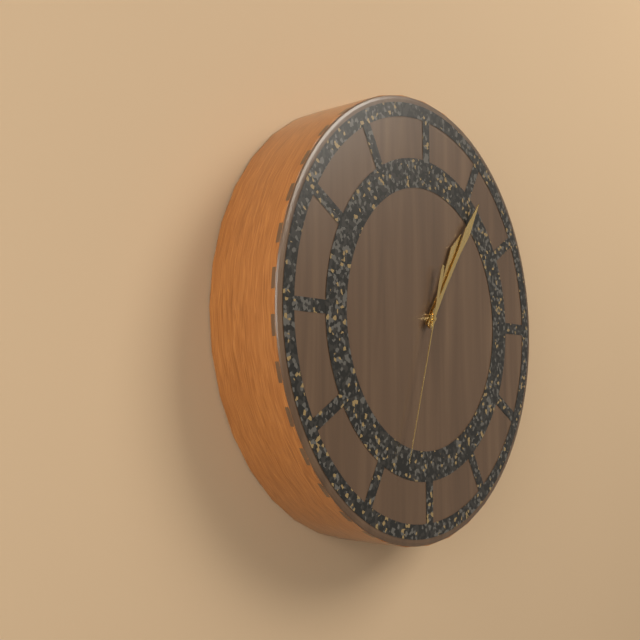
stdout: **1:06:33**
